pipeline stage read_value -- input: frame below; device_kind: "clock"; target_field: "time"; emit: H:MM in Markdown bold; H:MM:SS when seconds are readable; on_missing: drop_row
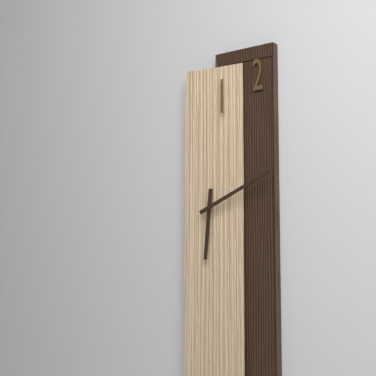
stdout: **6:11**
